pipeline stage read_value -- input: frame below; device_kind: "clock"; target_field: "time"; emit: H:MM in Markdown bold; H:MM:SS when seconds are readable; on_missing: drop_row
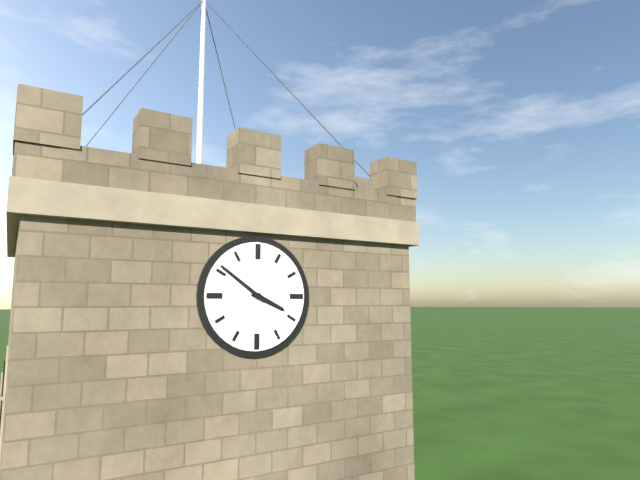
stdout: **3:51**
